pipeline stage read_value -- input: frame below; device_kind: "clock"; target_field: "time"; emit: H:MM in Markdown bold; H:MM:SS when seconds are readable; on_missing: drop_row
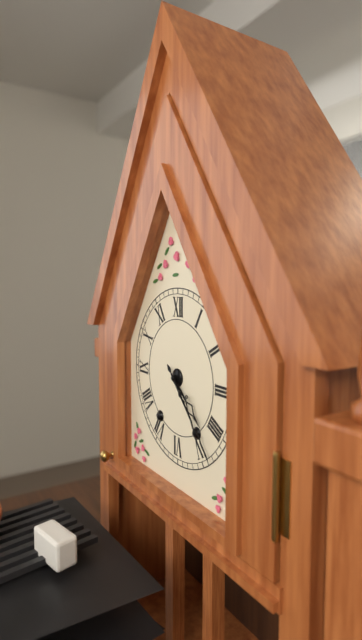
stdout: **4:23**
